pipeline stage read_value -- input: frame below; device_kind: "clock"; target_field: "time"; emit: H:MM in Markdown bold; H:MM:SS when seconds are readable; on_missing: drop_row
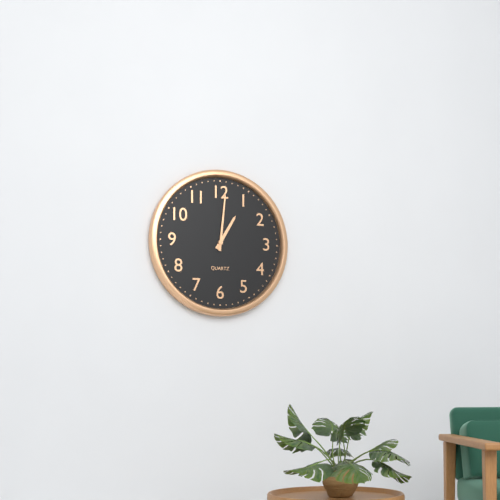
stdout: **1:01**
